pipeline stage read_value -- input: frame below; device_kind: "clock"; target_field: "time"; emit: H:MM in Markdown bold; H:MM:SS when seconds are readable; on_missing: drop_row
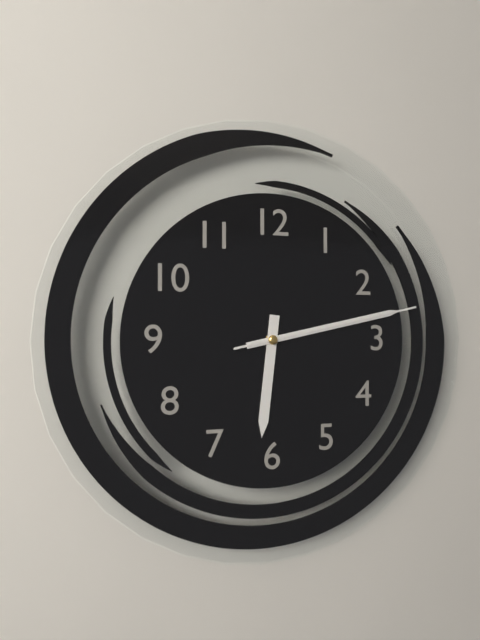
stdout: **6:13:13**
